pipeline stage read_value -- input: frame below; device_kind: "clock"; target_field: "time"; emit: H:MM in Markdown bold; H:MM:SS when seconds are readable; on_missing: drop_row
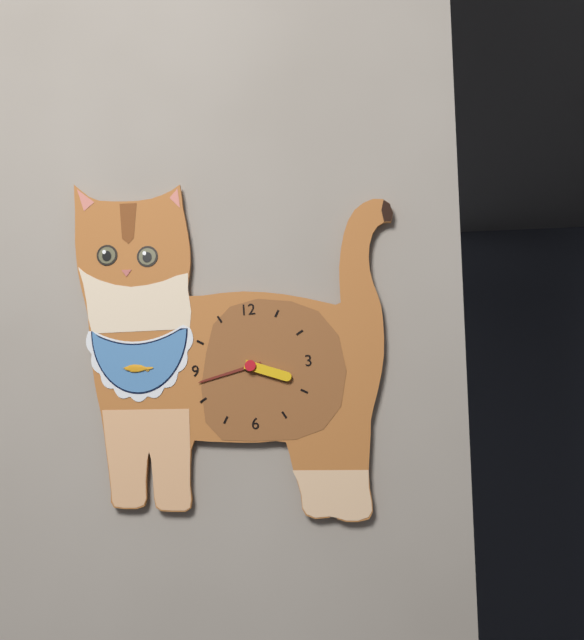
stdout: **3:43**
